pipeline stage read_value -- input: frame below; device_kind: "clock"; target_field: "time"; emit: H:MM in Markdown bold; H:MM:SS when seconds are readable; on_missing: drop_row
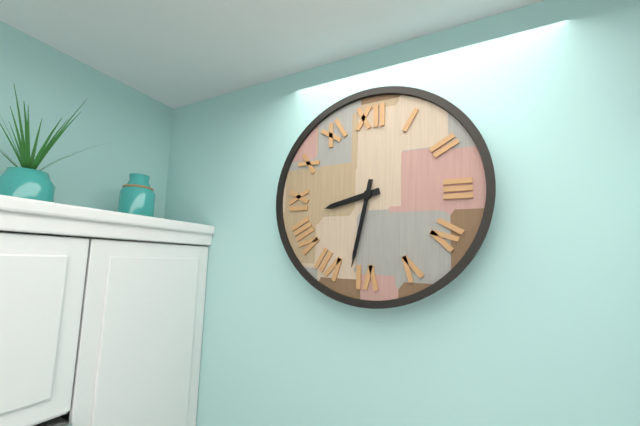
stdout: **8:32**
